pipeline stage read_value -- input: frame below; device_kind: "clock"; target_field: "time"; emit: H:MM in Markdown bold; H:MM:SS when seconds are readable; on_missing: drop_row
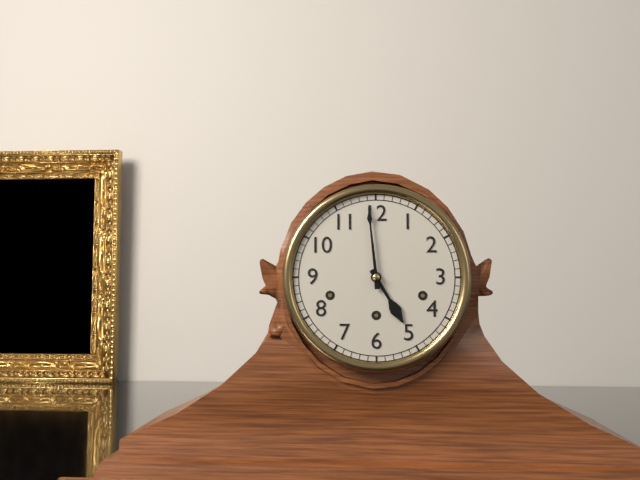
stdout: **4:59**
